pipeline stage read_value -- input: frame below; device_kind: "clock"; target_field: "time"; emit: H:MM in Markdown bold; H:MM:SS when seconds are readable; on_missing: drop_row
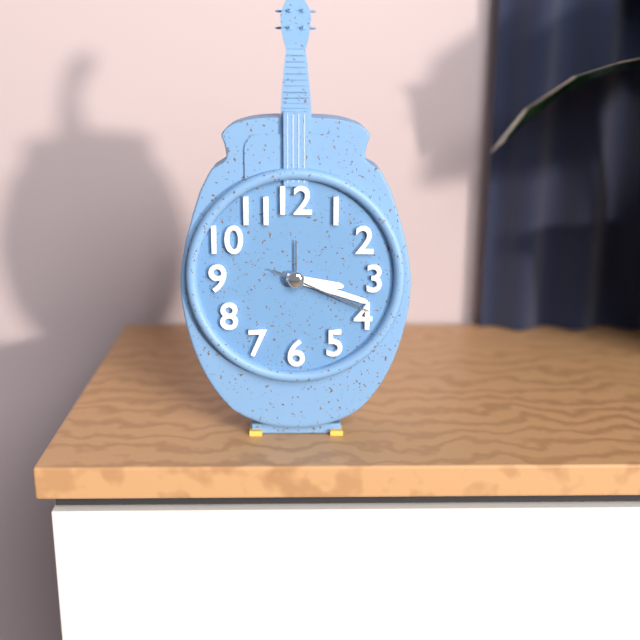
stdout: **3:18:19**
